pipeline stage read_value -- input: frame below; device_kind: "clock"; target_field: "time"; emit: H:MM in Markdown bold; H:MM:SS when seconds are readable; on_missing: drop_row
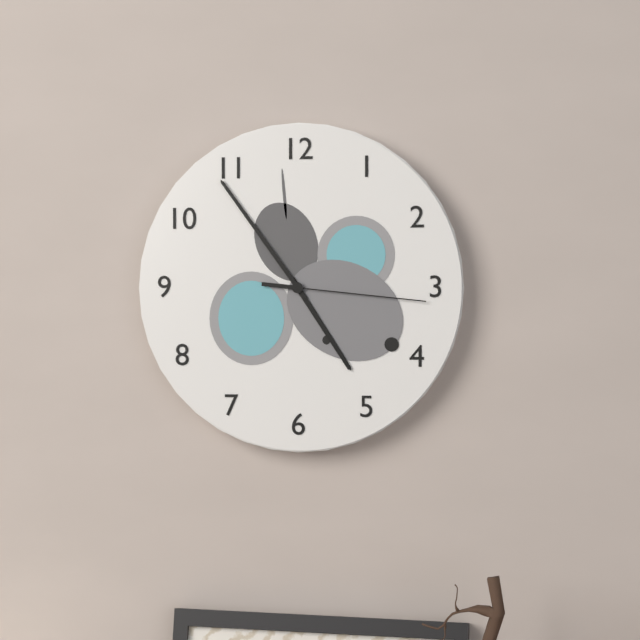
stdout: **4:54:16**
